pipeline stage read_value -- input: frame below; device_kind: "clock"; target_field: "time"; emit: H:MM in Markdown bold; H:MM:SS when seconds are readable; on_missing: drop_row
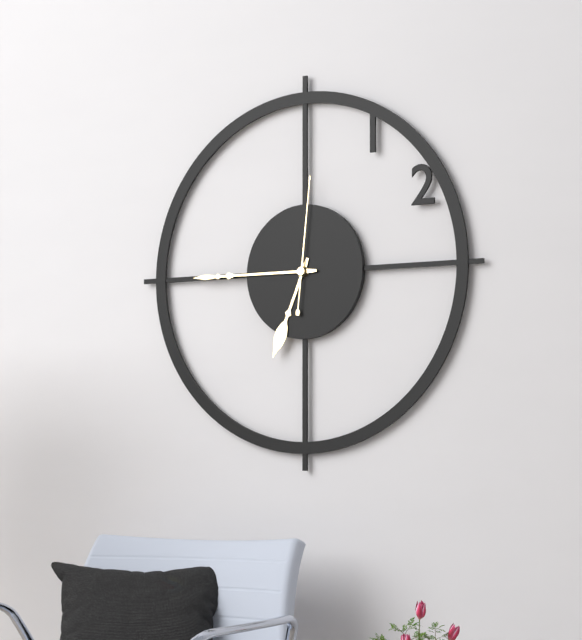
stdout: **6:45:01**
